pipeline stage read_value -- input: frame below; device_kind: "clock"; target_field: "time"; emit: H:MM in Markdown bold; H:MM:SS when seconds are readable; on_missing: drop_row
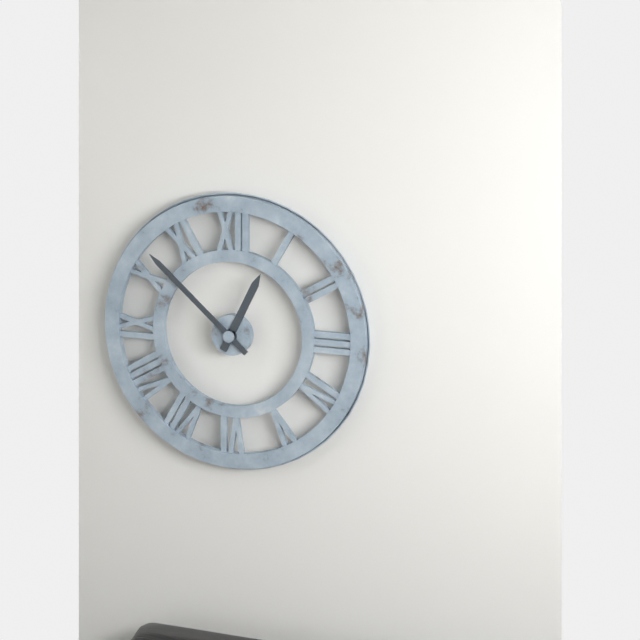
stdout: **12:52**
